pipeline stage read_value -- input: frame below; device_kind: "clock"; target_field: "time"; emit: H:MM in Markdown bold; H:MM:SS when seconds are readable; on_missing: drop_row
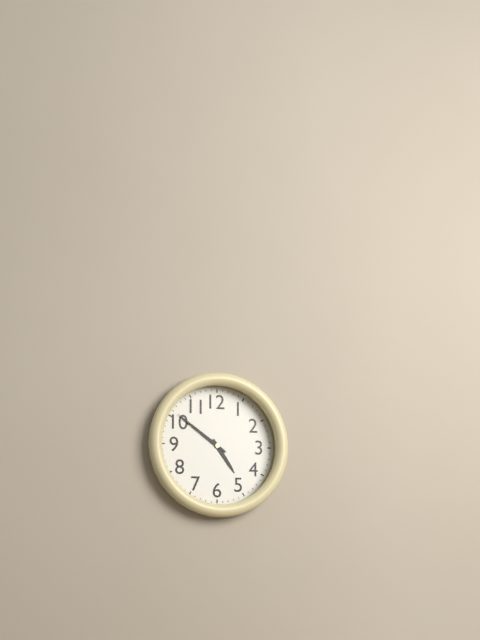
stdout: **4:51**
